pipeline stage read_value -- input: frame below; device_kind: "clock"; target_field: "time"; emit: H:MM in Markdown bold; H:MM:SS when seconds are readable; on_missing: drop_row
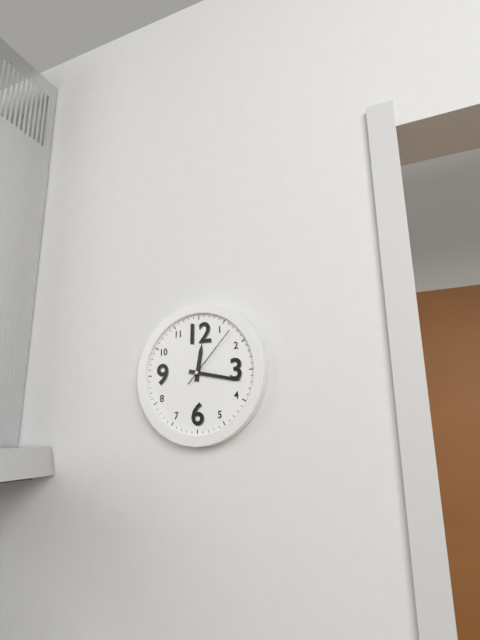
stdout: **12:17:07**
